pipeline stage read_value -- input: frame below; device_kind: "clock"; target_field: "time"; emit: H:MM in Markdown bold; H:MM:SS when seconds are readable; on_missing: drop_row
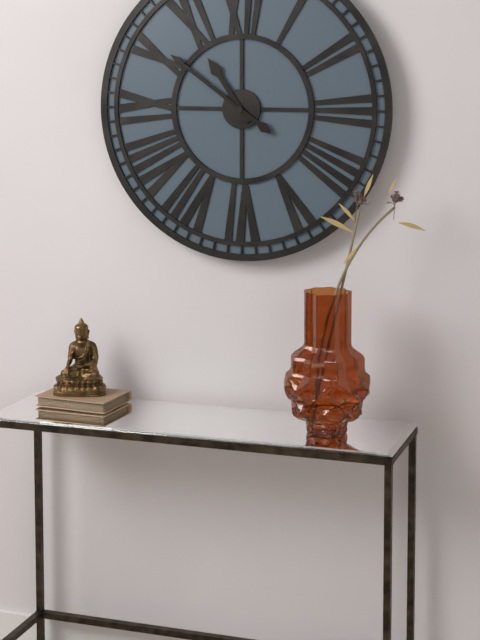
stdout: **10:51**
